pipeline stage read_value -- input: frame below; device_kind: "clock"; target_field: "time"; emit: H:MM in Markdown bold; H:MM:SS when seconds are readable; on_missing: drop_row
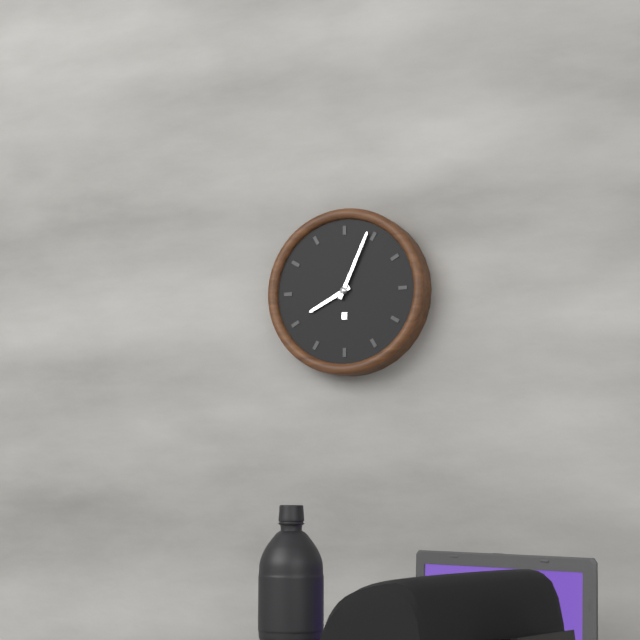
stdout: **8:04**
